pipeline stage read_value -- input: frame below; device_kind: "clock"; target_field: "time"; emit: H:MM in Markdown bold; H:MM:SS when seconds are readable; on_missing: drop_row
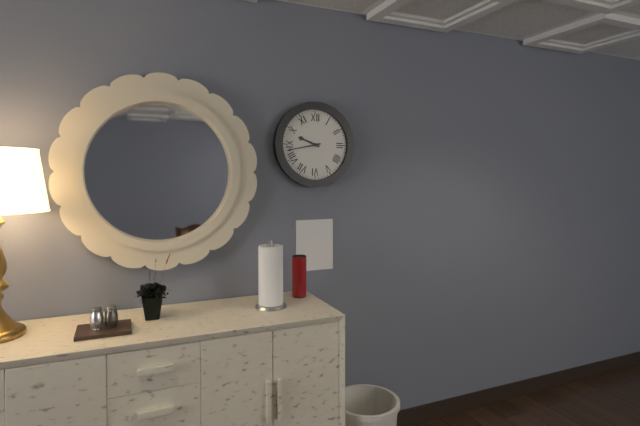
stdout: **9:43**
